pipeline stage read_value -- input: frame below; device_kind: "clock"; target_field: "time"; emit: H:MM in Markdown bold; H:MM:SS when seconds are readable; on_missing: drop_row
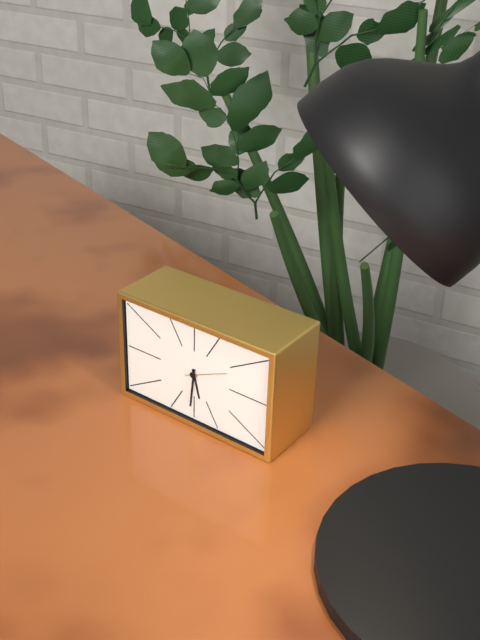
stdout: **5:31**
